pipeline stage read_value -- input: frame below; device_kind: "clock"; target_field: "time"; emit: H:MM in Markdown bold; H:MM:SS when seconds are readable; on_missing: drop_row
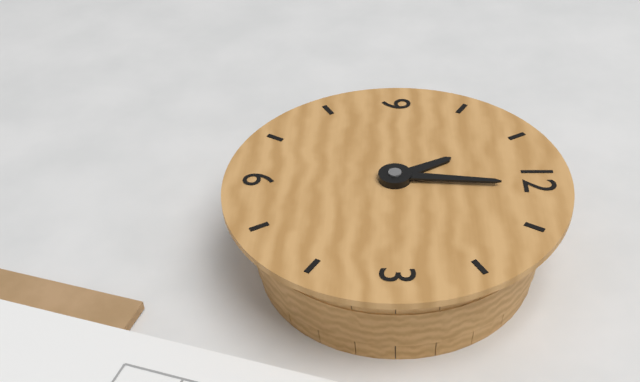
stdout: **11:01**
